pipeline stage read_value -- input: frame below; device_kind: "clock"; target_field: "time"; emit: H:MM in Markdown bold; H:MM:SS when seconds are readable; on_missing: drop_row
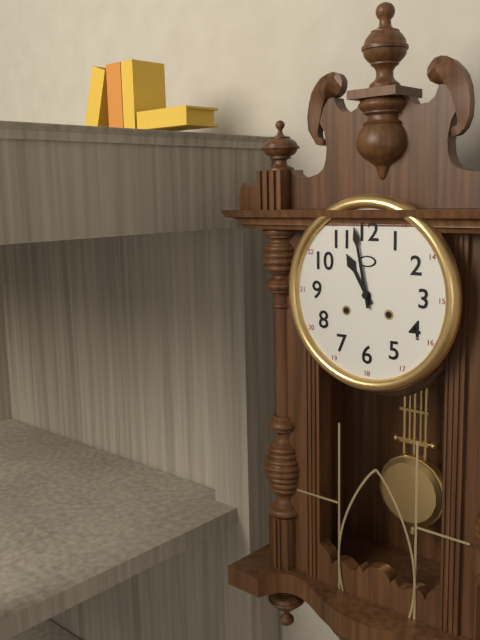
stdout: **10:58**
